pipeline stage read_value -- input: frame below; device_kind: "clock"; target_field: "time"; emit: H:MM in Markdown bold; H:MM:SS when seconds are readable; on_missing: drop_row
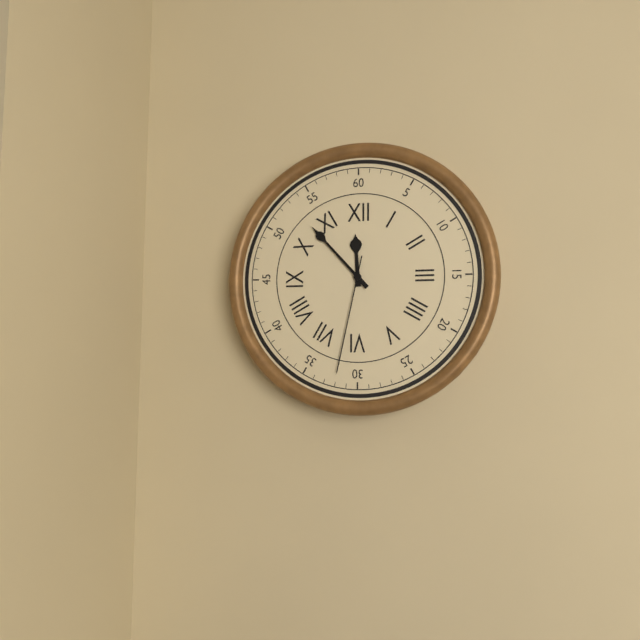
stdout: **11:53:32**
